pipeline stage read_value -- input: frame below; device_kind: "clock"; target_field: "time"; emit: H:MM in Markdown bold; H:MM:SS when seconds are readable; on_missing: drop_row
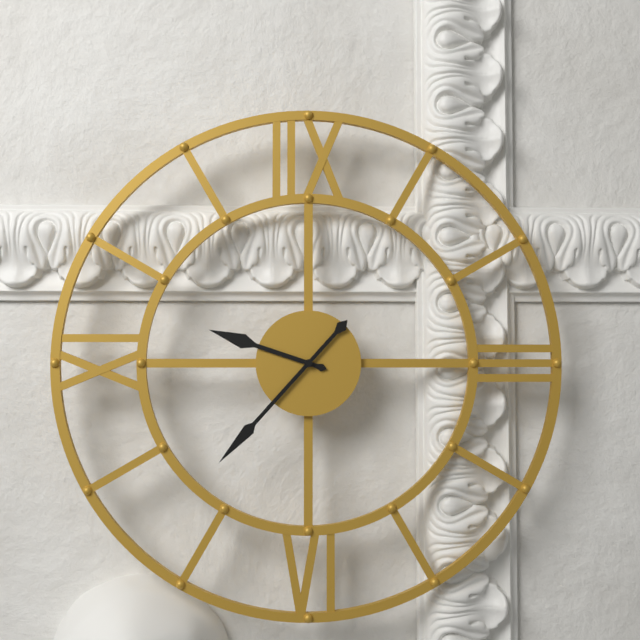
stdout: **9:37**
